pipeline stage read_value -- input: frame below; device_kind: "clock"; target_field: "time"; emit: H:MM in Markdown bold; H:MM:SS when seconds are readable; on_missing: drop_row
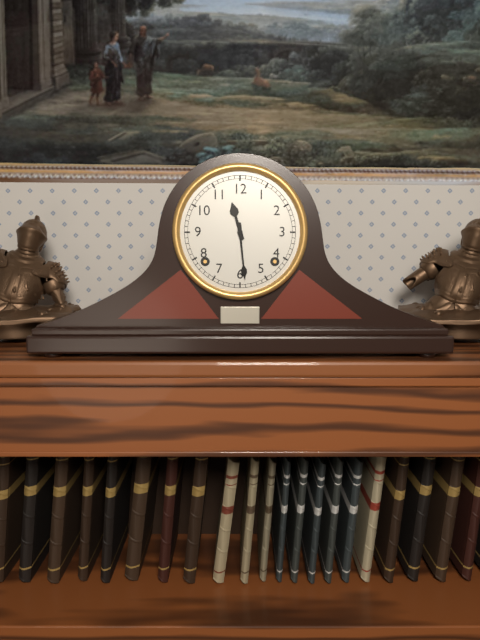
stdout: **11:29**
